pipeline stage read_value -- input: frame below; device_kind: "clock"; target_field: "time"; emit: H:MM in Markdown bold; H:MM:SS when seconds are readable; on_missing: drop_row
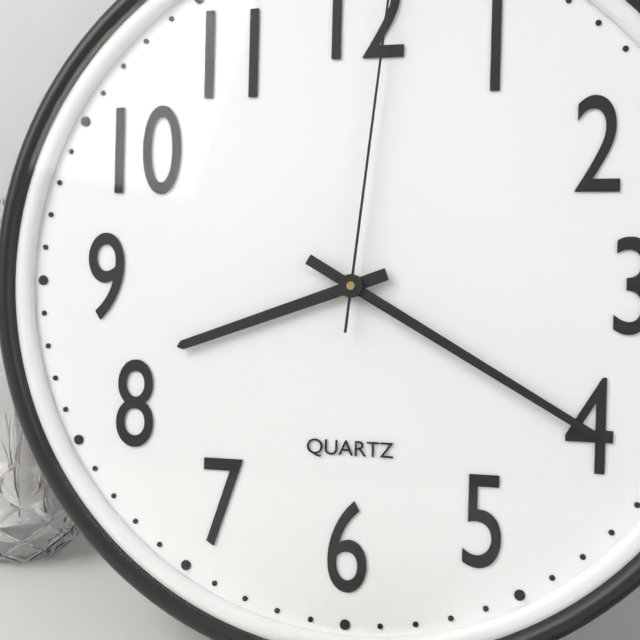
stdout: **8:20**
